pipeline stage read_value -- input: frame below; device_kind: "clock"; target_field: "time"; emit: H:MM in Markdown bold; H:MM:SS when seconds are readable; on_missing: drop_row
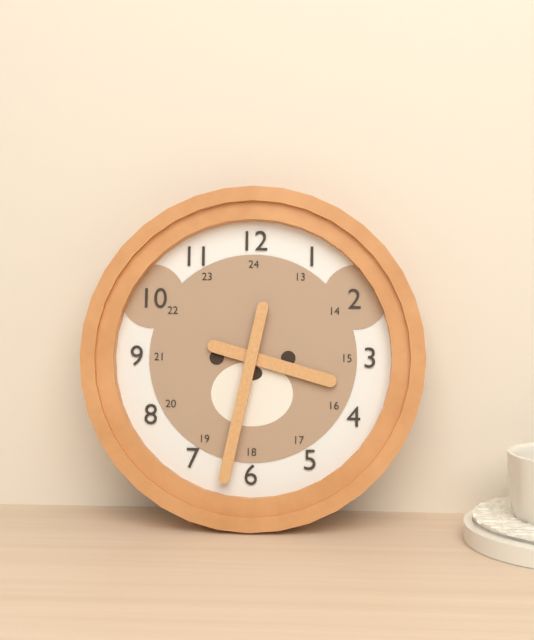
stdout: **3:32**
